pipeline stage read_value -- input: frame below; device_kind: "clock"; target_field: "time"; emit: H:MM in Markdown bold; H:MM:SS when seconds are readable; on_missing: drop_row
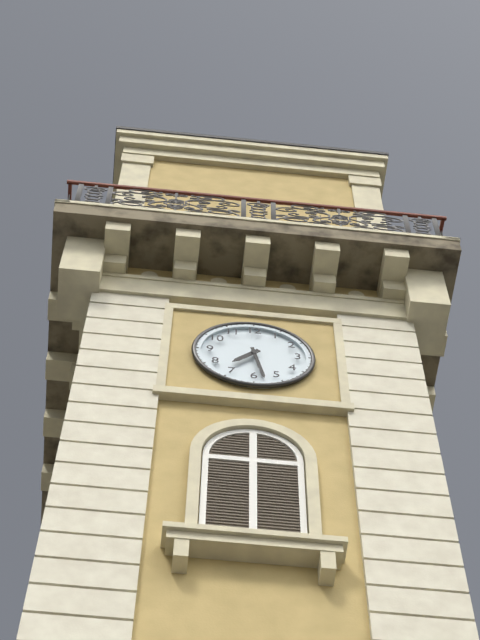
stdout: **7:28**
